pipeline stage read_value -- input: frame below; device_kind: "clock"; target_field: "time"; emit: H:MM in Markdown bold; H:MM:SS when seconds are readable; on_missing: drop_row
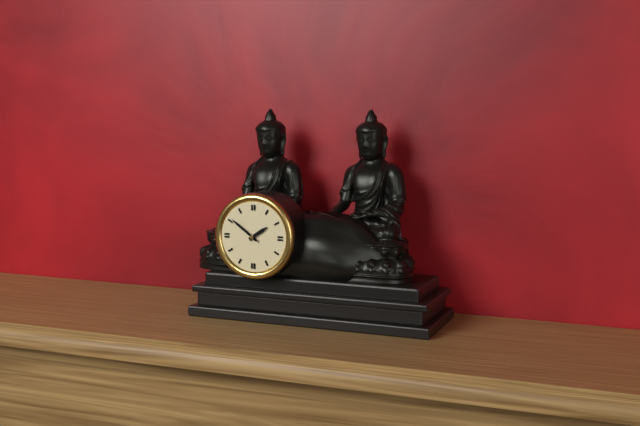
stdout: **1:51**
